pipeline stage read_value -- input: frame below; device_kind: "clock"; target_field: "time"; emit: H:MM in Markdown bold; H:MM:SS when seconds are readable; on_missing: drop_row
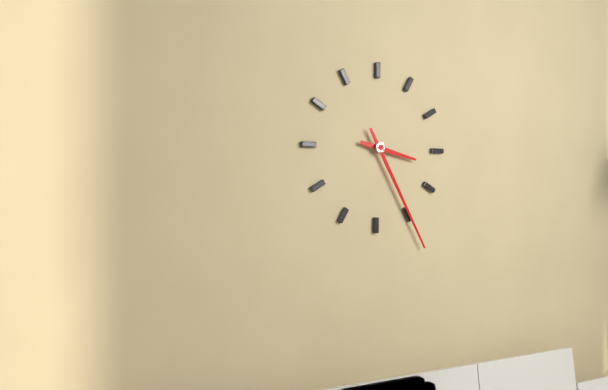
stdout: **3:25**
